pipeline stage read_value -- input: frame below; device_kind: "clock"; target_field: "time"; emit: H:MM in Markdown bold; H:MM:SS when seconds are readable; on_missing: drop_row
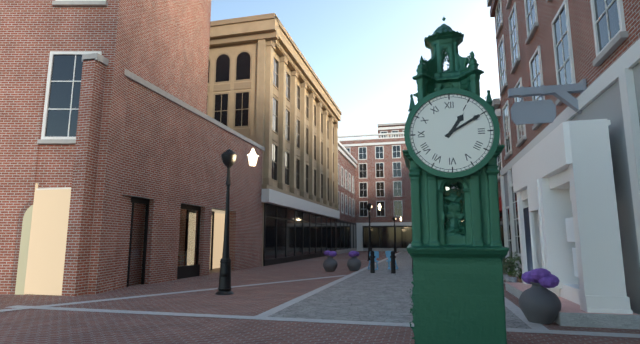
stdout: **1:10**
